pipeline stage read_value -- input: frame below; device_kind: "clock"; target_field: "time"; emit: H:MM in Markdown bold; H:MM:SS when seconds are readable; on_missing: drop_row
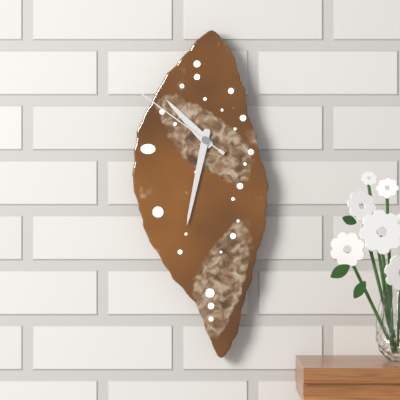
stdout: **10:32:51**
